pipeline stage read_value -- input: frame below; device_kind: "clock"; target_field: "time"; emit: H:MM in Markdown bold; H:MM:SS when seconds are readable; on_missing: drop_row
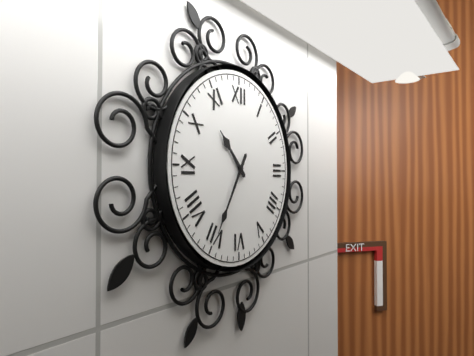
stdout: **10:35**
